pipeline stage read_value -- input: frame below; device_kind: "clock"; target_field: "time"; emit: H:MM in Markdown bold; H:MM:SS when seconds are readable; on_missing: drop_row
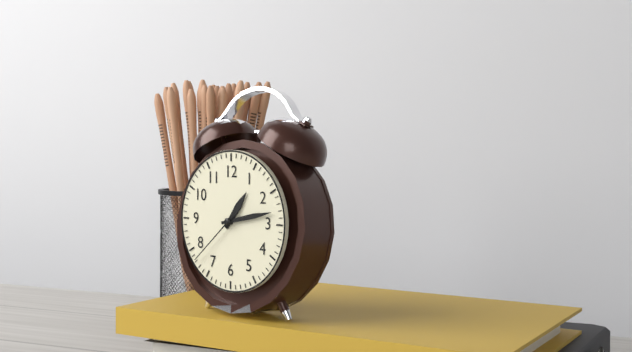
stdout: **1:13:38**
